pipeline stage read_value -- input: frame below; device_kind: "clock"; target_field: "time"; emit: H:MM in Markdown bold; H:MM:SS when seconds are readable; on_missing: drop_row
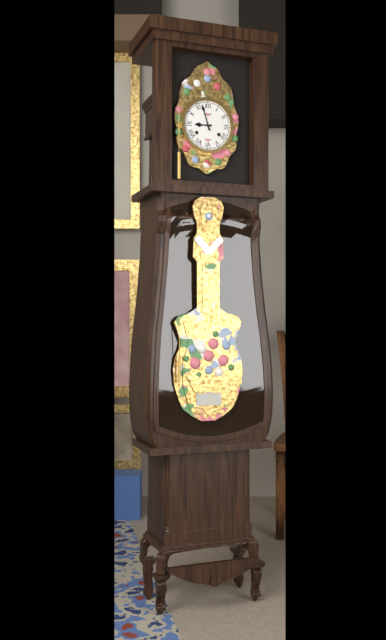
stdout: **8:57**
